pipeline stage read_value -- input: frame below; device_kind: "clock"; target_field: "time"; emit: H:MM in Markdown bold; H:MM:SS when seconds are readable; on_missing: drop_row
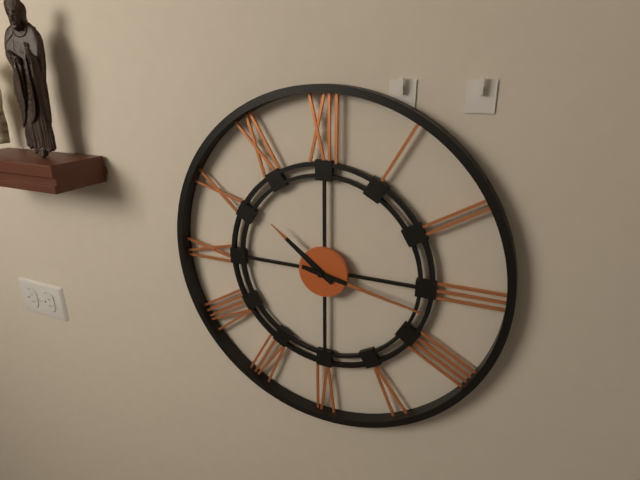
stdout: **10:17**
